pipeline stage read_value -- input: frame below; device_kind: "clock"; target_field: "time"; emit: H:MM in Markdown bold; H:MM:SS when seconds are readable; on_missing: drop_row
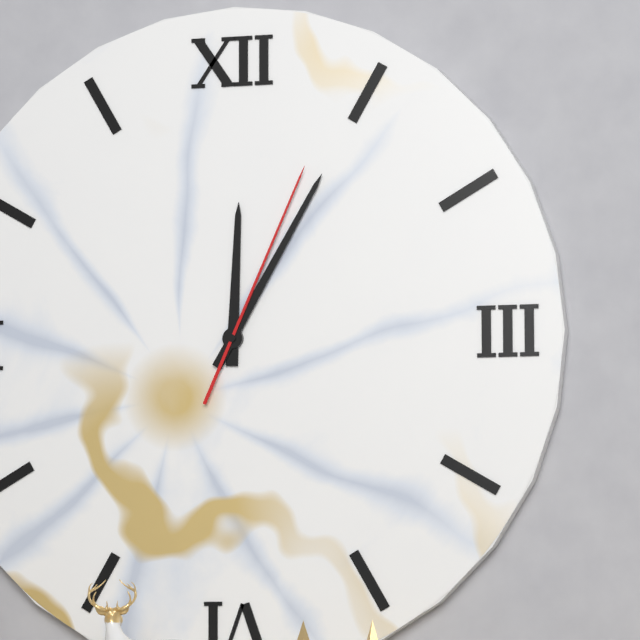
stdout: **12:05:04**
